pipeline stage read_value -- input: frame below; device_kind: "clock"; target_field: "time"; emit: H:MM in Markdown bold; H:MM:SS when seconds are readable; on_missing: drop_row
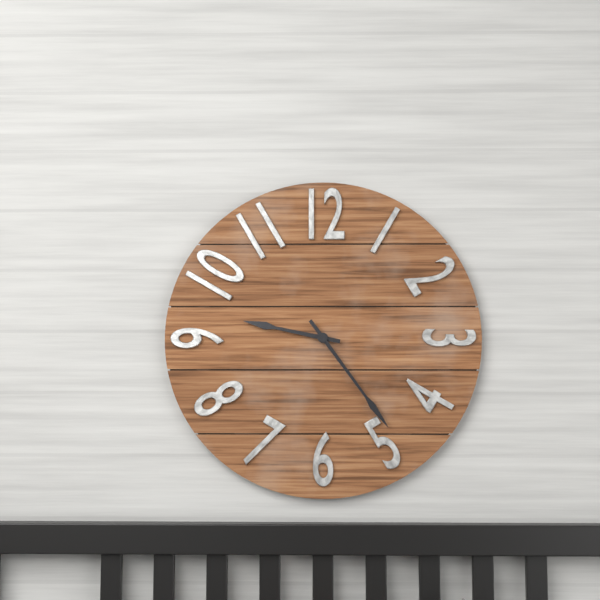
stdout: **9:24**
